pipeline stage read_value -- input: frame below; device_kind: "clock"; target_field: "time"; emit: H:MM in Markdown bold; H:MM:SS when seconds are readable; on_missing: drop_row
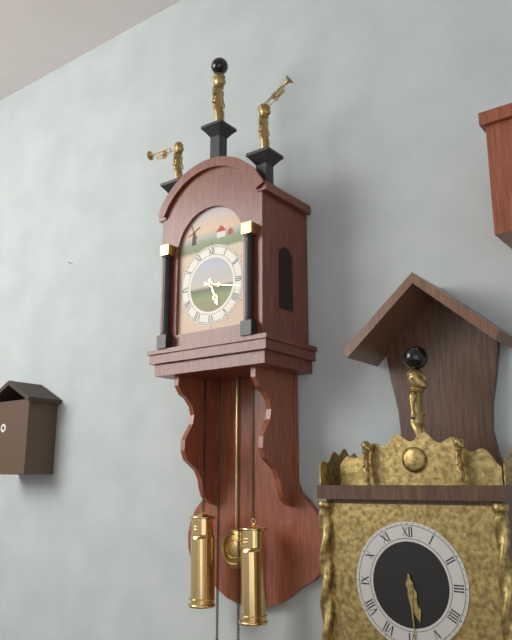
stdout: **5:17**
